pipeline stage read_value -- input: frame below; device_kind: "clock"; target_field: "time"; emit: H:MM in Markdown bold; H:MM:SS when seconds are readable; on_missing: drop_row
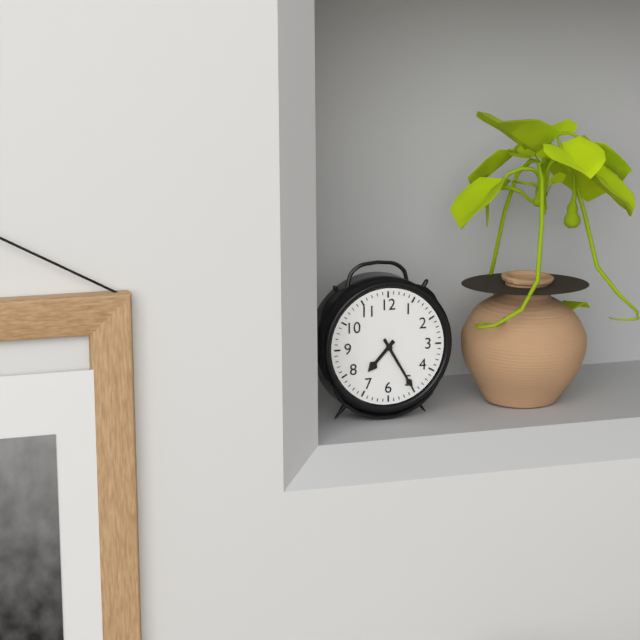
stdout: **7:25**
